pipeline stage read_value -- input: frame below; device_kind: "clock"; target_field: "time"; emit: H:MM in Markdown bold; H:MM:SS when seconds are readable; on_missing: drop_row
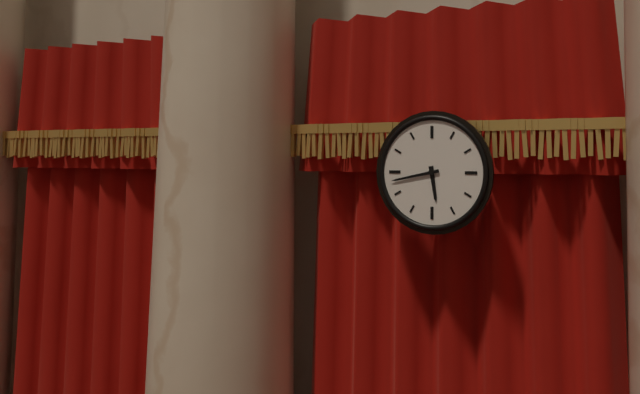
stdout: **5:43**
